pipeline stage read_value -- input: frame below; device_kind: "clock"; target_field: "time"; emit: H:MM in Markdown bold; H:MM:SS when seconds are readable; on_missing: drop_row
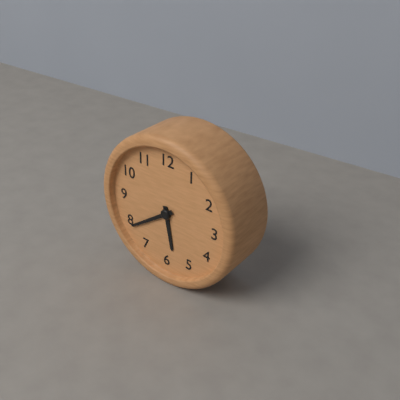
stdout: **5:39**
